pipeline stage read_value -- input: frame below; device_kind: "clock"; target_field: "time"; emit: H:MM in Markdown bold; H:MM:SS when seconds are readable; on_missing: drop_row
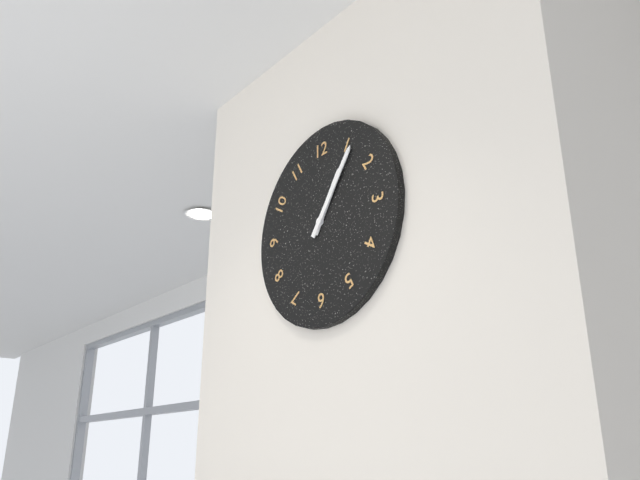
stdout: **1:06**
